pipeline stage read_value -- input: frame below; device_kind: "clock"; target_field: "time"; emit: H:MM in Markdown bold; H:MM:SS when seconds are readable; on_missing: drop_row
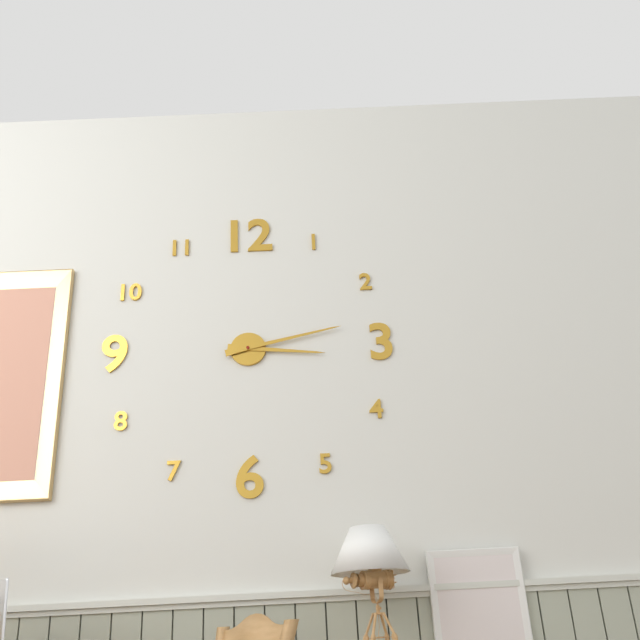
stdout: **3:13**
